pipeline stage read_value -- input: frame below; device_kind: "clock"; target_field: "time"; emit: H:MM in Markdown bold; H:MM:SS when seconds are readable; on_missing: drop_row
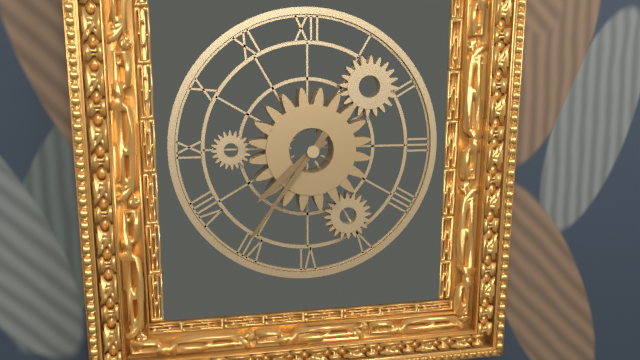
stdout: **7:36**
